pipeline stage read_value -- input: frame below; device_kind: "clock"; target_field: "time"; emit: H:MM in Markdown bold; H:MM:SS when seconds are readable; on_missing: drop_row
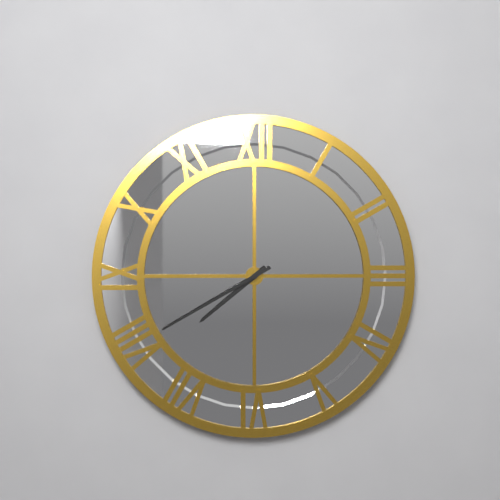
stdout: **7:40**
